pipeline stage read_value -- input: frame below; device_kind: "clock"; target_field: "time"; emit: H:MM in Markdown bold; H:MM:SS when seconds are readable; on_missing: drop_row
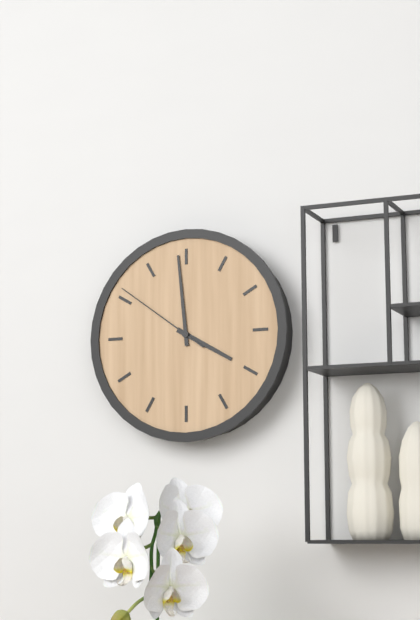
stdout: **3:59:51**
